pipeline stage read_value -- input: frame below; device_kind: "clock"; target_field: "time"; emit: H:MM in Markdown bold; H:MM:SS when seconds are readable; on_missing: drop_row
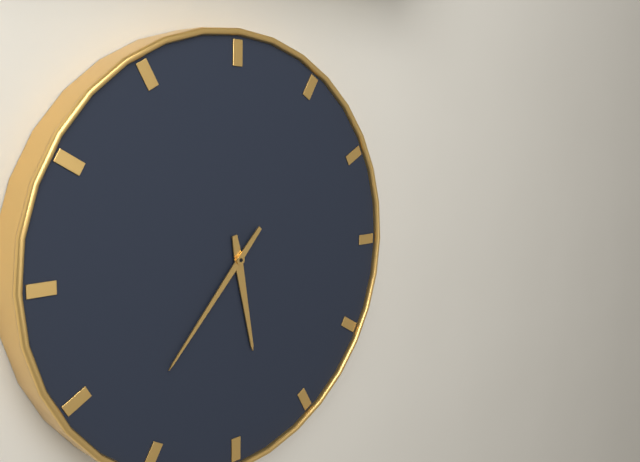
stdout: **5:37**
